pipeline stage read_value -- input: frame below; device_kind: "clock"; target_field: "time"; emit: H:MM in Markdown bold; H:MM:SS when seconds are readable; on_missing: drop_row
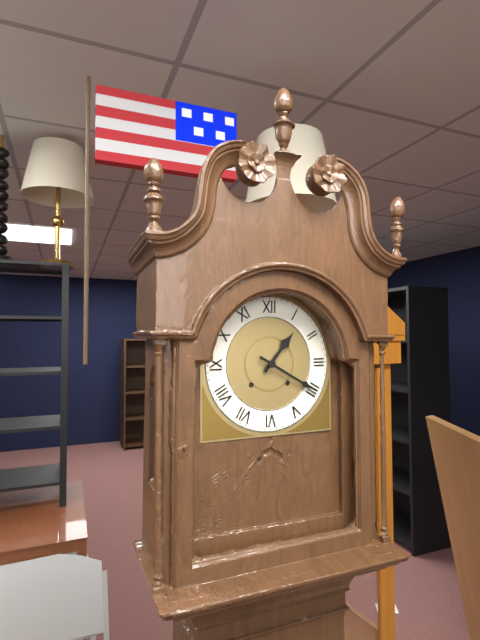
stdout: **1:20**
